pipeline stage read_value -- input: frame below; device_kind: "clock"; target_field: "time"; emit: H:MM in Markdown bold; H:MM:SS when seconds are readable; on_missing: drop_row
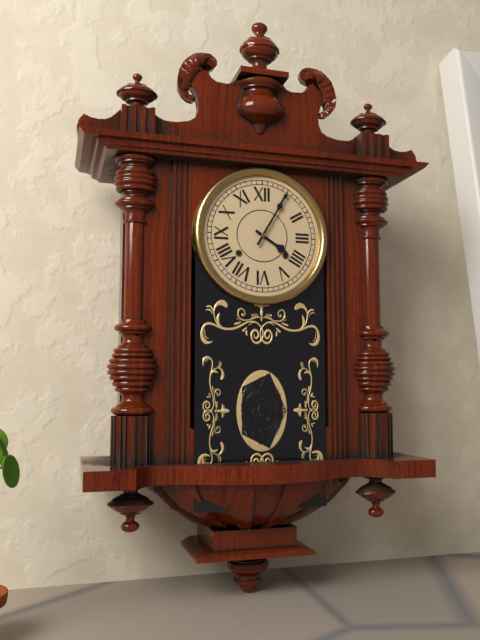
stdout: **4:05**
